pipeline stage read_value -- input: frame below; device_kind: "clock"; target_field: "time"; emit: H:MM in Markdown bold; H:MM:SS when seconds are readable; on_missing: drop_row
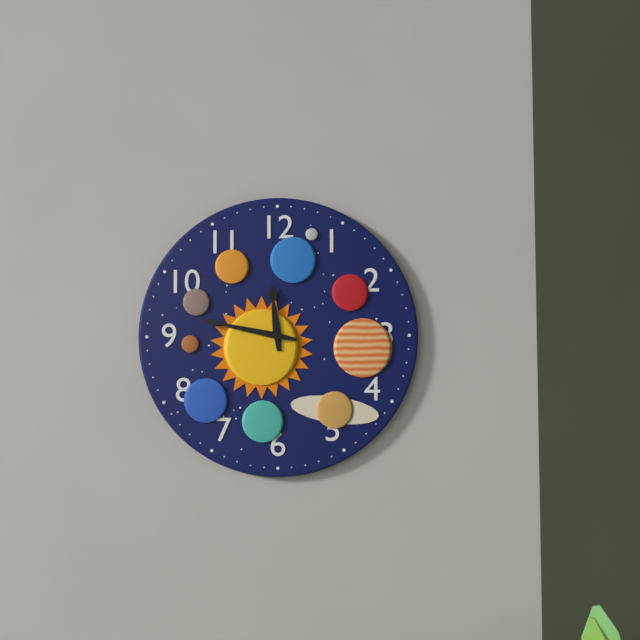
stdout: **11:47**
